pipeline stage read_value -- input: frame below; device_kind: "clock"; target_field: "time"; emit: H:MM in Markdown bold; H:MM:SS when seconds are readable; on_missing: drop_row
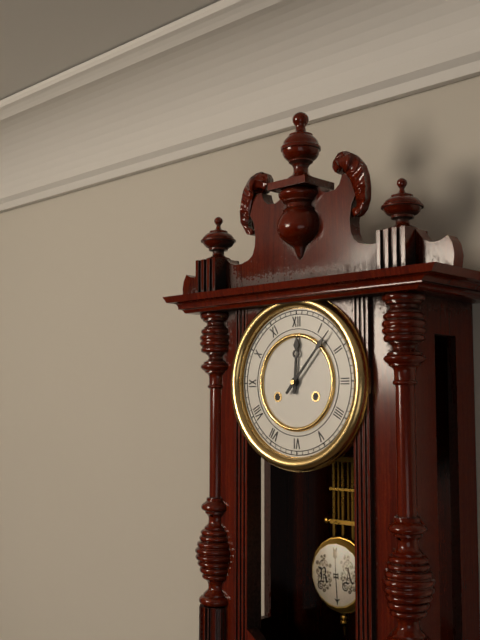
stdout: **12:07**
